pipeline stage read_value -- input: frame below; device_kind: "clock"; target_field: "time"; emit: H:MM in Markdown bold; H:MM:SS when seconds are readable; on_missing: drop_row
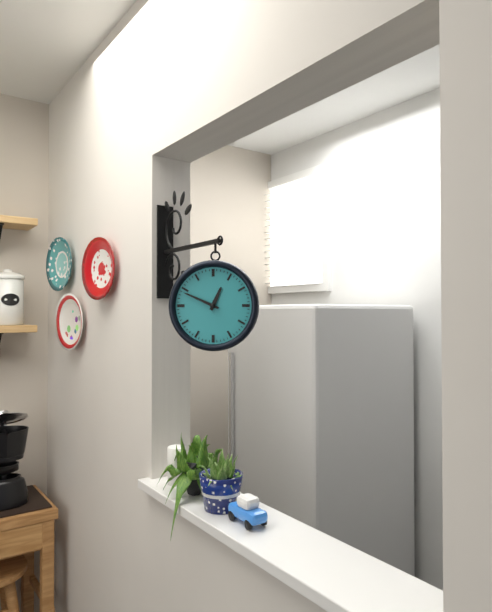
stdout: **12:49**
